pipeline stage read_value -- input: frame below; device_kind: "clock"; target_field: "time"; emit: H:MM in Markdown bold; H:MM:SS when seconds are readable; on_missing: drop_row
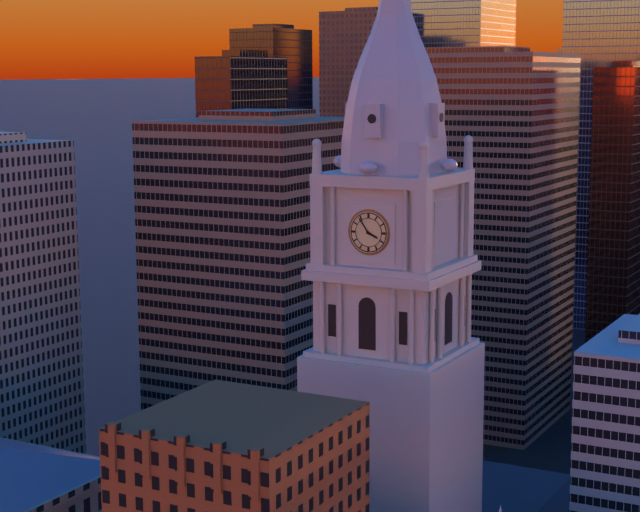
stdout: **3:54**
